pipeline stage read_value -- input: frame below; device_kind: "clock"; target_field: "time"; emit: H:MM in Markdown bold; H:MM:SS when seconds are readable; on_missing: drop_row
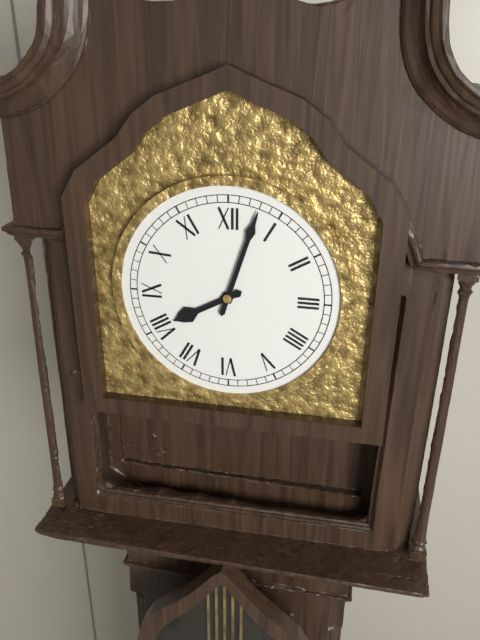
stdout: **8:03**
